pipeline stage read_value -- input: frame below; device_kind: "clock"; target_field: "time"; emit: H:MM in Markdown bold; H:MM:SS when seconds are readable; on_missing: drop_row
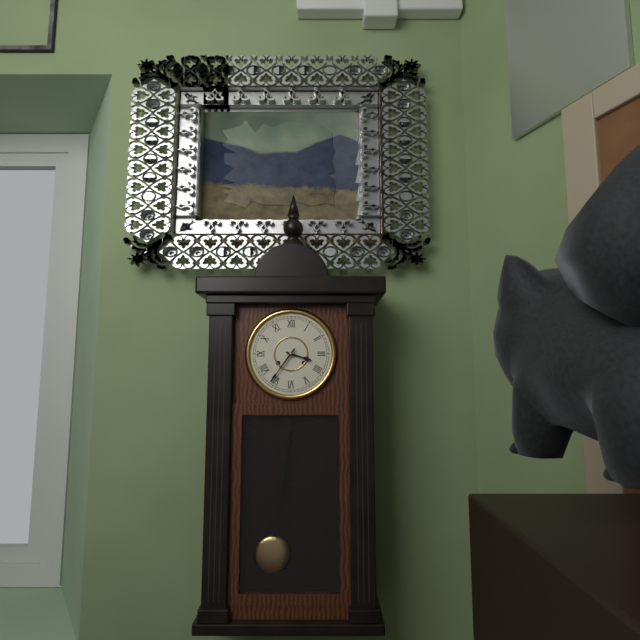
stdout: **3:36**
